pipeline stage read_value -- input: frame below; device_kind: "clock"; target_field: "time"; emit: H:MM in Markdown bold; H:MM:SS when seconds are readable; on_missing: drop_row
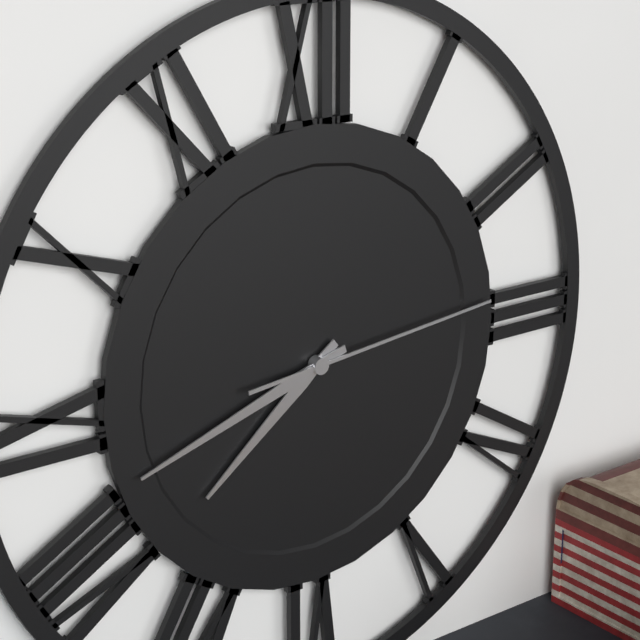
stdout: **7:42:14**
